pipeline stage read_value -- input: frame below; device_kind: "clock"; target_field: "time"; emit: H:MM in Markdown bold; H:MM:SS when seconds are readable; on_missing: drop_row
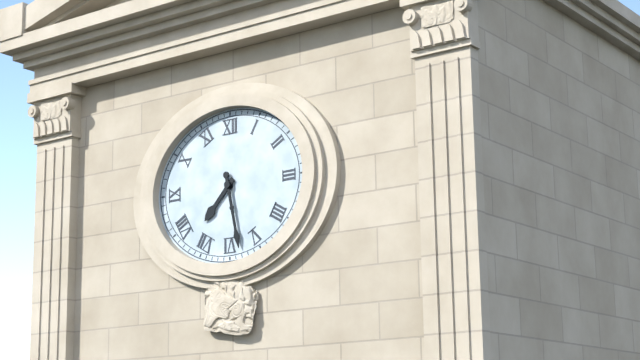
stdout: **7:28**
